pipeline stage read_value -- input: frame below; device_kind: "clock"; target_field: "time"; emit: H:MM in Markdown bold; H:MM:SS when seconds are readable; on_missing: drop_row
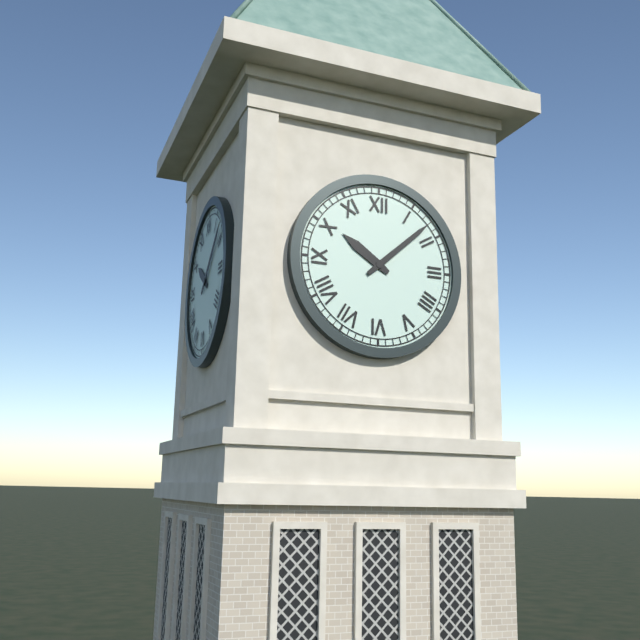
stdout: **10:08**
